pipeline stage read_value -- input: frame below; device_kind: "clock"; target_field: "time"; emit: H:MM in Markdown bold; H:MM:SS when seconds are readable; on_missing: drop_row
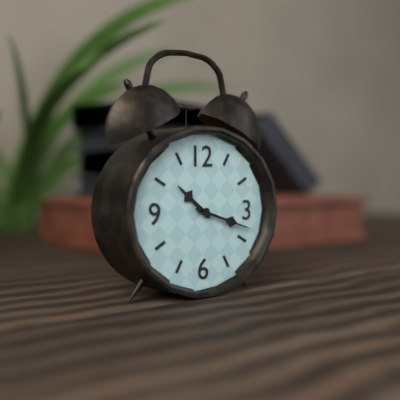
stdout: **10:18**
